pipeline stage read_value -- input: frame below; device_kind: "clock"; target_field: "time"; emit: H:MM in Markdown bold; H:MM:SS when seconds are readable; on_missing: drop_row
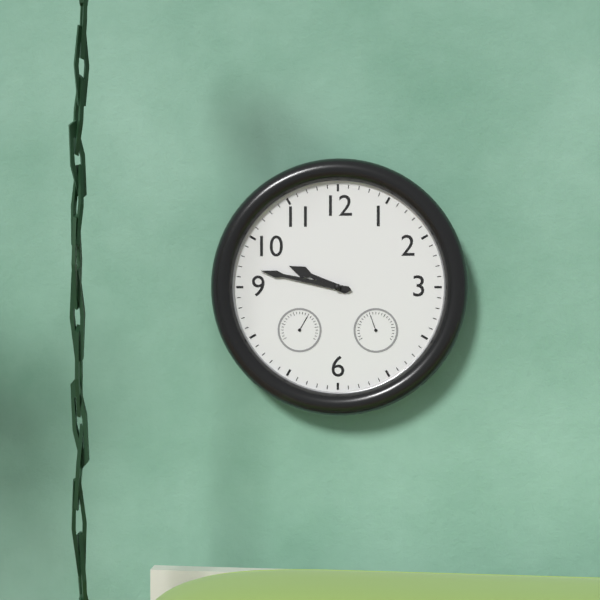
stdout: **9:47**
